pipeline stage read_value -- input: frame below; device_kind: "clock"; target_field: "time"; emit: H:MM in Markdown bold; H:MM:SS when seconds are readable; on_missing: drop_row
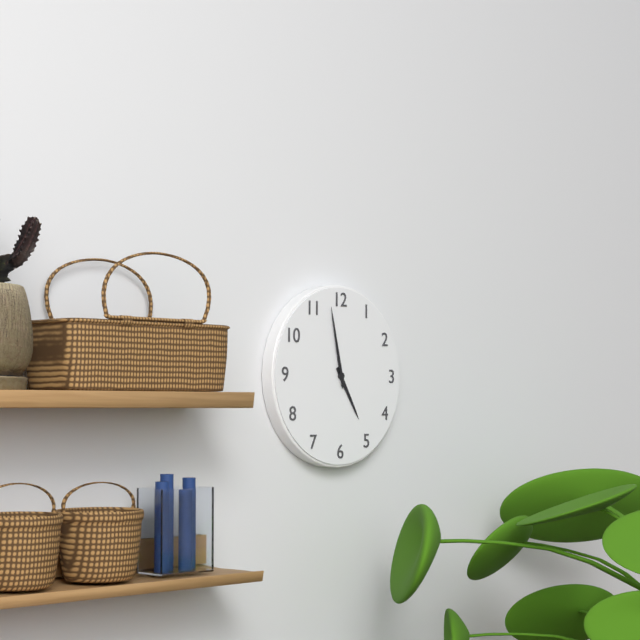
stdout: **4:58**
